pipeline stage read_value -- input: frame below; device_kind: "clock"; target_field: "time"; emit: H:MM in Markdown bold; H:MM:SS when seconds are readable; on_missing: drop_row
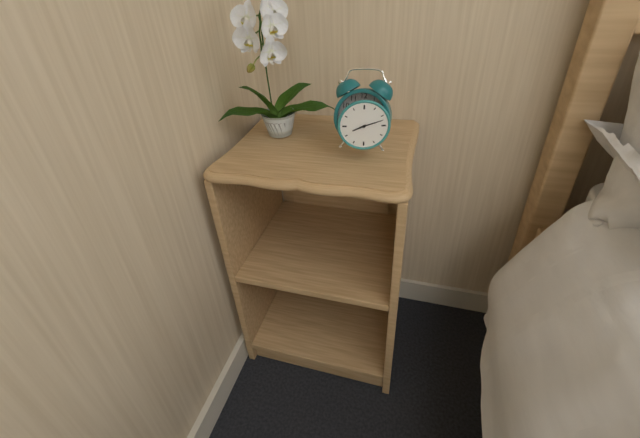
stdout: **8:12**
